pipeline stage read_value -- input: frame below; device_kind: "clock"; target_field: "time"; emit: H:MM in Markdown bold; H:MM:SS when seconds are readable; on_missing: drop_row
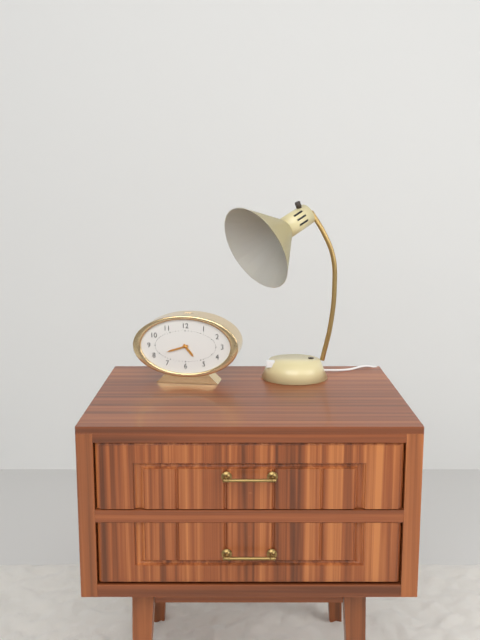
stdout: **4:42**
